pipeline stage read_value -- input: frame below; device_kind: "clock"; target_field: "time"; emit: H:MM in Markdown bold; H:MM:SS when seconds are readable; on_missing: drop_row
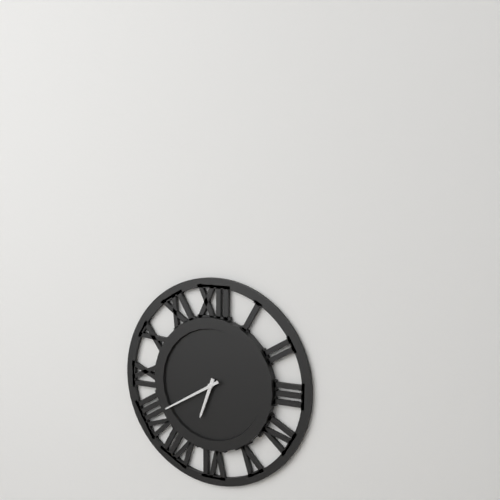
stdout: **6:40**
